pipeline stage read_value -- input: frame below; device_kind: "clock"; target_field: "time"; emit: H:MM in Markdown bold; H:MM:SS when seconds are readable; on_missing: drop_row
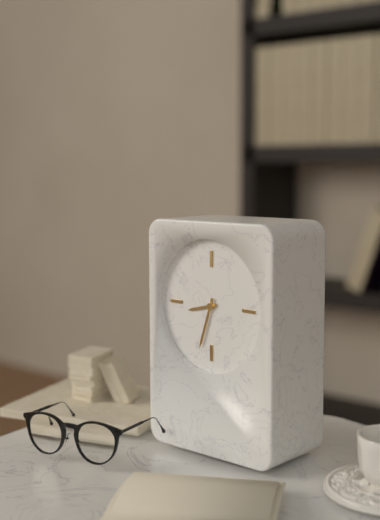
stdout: **8:33**
